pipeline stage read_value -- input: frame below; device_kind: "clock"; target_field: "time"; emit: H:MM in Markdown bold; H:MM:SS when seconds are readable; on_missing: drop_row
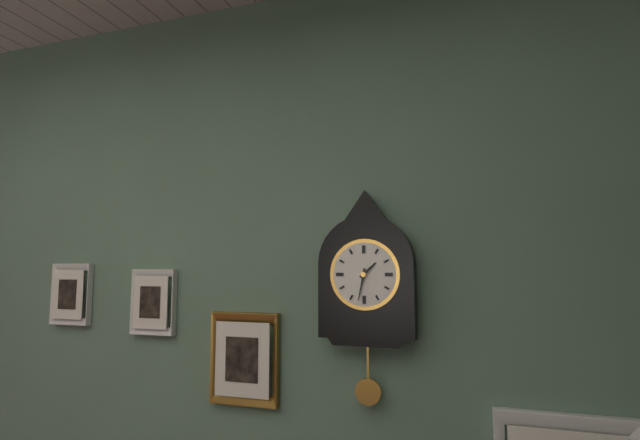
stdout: **1:32**
